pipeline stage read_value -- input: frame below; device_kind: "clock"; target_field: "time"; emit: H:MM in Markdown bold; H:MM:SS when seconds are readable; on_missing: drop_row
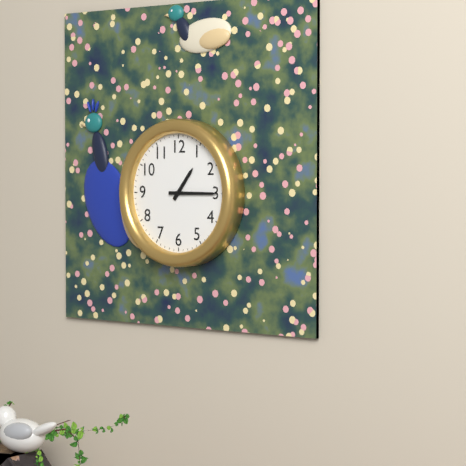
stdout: **1:15**
